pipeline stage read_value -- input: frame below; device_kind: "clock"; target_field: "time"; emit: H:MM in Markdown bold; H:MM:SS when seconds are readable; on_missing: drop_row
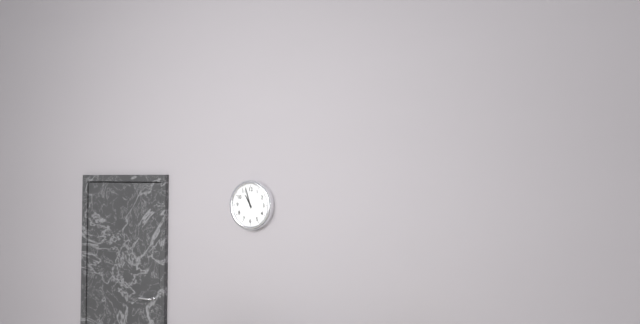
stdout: **10:57**
